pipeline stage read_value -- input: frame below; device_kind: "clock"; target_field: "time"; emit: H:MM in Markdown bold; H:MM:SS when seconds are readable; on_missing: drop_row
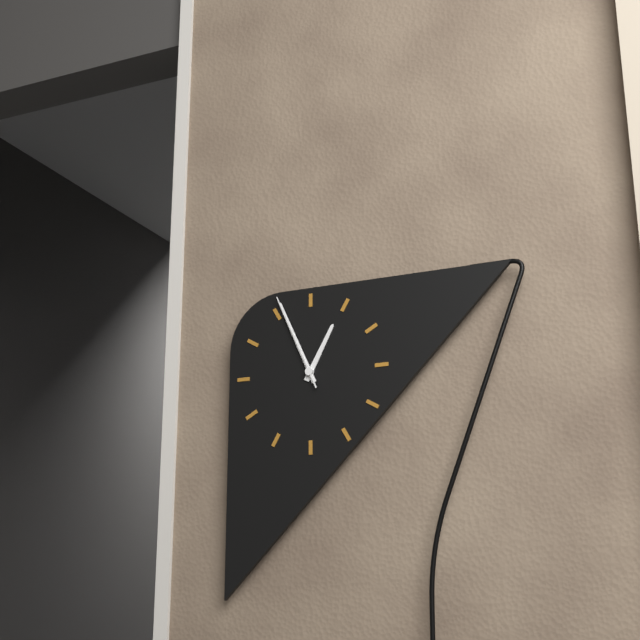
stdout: **12:56:56**
